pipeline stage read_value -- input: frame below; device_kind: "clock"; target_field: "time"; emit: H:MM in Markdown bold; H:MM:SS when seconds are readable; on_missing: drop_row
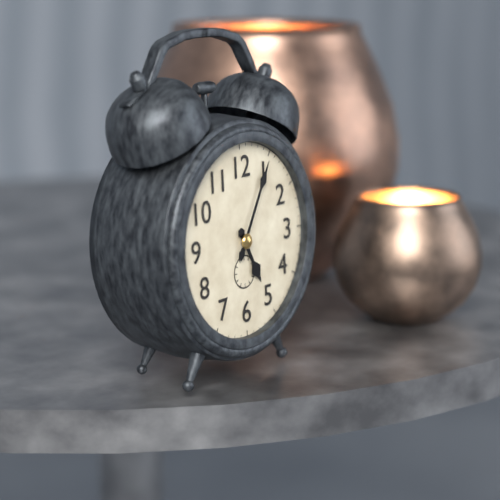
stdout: **5:05**
